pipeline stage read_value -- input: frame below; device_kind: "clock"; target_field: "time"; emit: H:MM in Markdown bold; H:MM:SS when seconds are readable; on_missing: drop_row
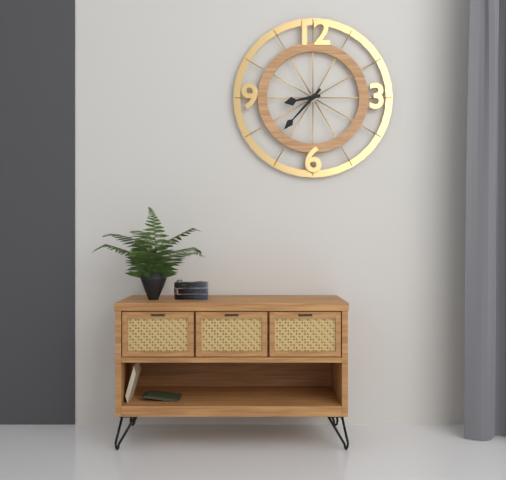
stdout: **8:37**
